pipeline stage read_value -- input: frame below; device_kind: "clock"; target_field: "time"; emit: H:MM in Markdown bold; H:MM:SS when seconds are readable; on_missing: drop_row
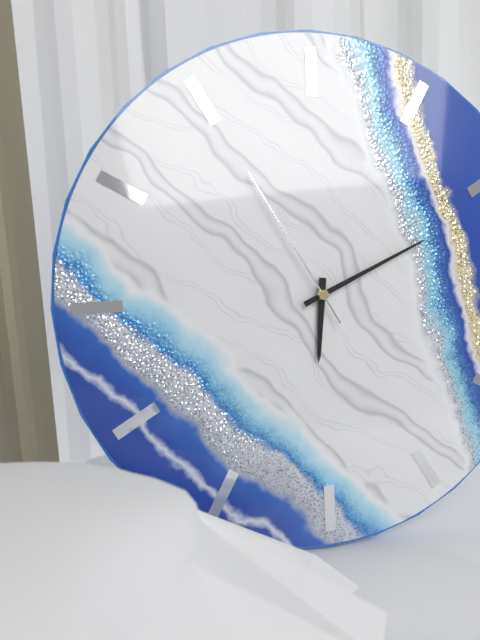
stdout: **6:11:55**
